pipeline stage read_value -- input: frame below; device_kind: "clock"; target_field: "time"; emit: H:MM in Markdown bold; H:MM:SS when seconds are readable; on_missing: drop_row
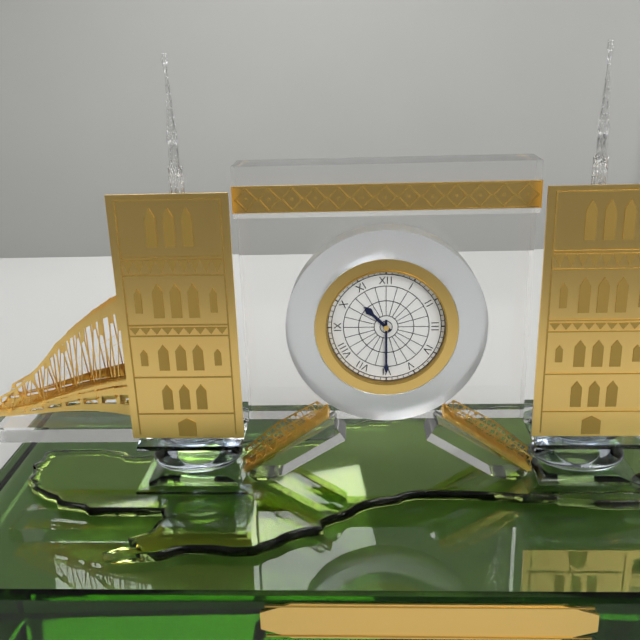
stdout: **10:30**
